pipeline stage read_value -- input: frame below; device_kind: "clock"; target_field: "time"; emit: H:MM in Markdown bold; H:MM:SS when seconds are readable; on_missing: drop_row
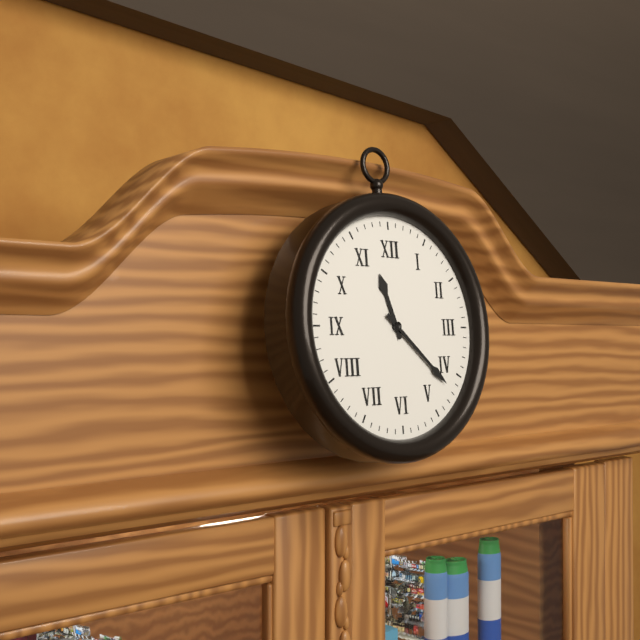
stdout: **11:22**
